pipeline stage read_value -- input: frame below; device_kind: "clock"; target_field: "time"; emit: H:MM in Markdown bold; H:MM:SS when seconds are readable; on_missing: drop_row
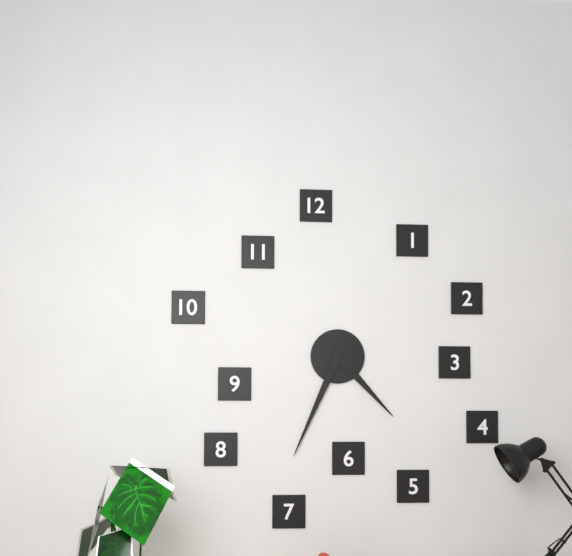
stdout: **4:34**
